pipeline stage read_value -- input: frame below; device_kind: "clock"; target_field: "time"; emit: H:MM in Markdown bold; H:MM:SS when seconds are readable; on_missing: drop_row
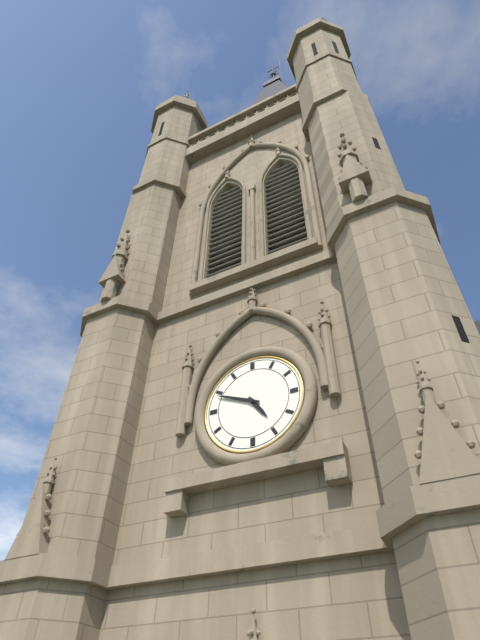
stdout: **4:49**
